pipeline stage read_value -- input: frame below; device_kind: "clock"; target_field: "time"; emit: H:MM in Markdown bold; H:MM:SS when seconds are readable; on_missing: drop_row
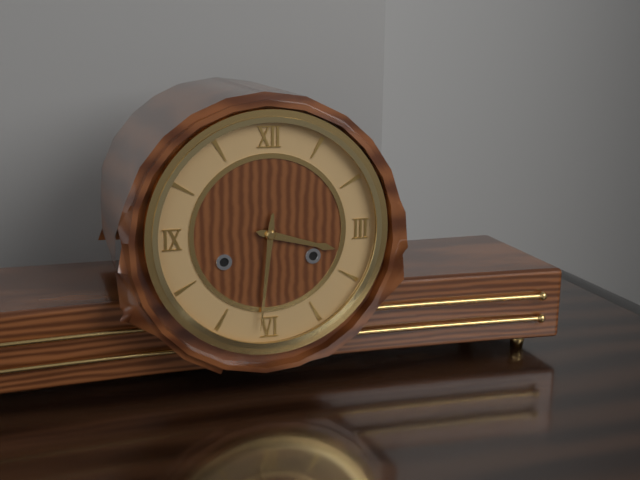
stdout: **3:31**
